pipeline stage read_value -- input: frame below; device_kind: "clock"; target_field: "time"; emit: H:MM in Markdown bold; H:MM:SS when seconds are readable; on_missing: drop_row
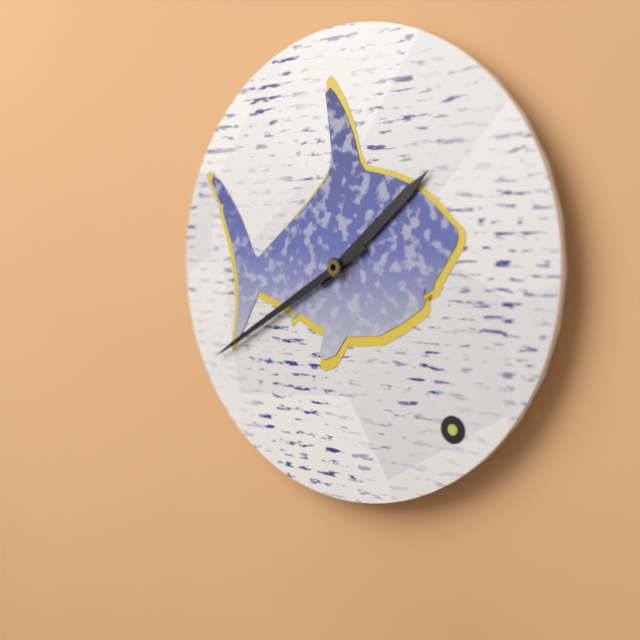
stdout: **1:40**
